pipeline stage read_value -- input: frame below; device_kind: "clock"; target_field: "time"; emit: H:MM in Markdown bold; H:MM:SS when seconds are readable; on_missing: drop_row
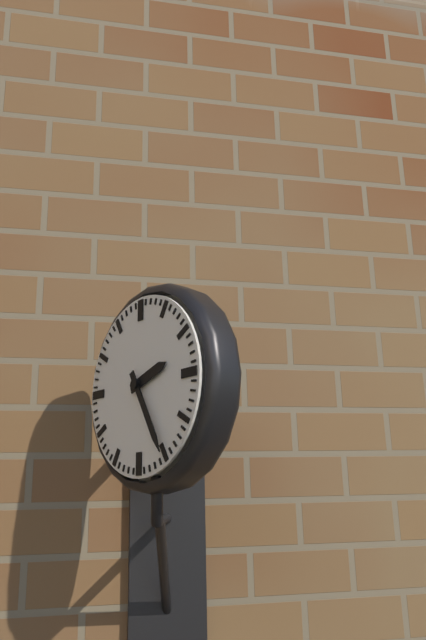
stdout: **2:25**
